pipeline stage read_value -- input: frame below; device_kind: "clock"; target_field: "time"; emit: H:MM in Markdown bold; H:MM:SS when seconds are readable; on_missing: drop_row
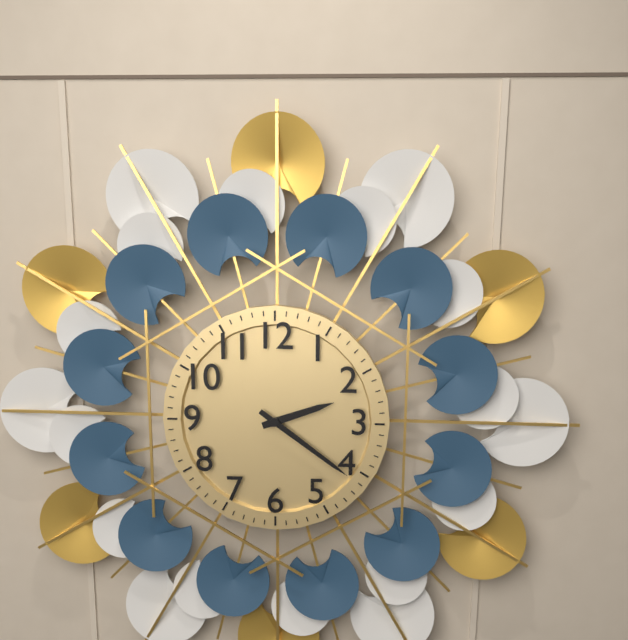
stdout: **2:21**
